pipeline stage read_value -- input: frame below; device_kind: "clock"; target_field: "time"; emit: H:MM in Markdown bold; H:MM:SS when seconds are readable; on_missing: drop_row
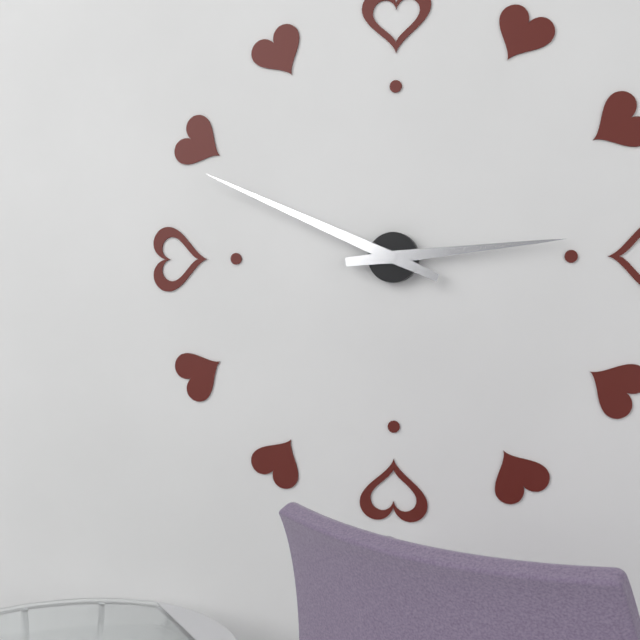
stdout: **2:49**
